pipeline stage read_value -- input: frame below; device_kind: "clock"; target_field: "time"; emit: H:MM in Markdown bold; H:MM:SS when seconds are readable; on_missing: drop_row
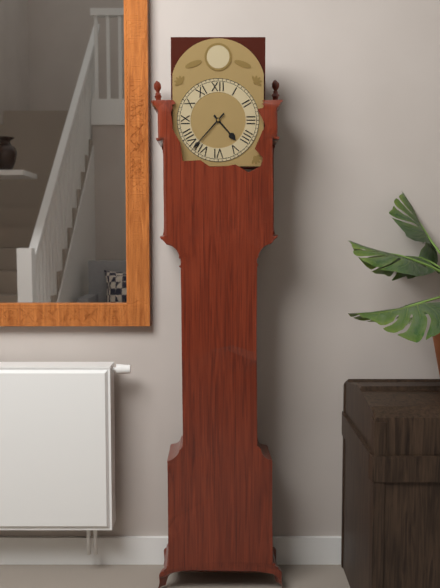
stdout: **4:37**
